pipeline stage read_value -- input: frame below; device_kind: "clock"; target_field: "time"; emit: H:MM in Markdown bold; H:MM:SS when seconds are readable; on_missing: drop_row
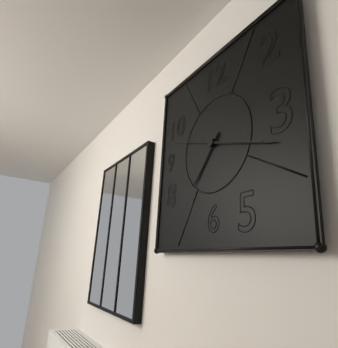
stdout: **7:18:48**
